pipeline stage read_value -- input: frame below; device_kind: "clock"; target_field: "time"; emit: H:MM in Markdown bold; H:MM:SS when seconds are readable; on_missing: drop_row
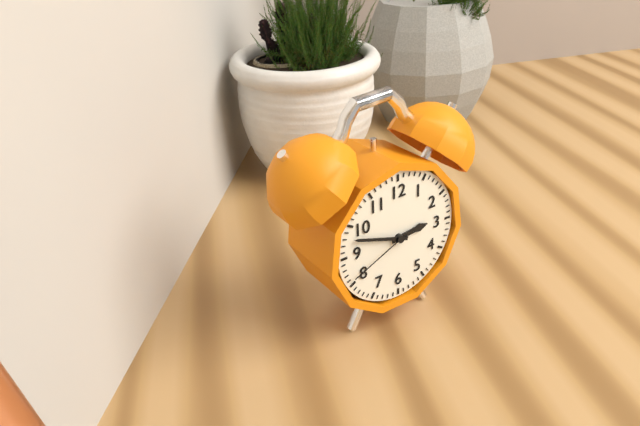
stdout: **2:48:41**
